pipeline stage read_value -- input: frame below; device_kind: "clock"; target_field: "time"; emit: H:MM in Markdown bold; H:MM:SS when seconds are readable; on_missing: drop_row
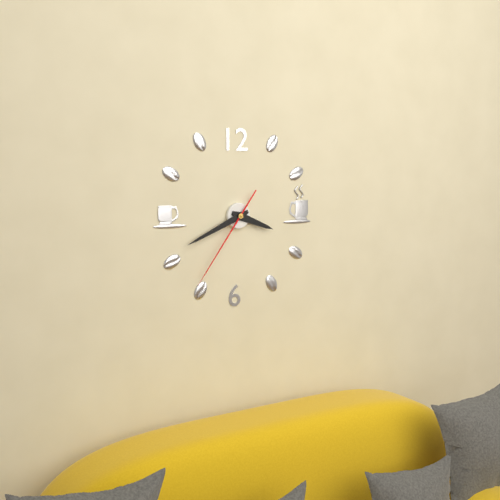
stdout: **3:41:36**
